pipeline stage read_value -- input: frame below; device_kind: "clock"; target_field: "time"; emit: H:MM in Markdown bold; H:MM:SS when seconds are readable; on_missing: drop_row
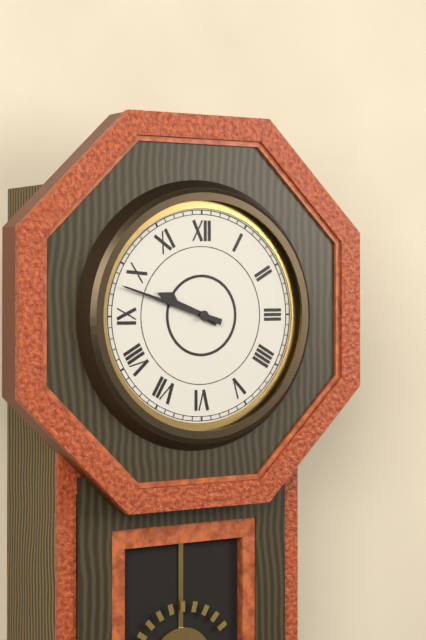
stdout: **9:48**
